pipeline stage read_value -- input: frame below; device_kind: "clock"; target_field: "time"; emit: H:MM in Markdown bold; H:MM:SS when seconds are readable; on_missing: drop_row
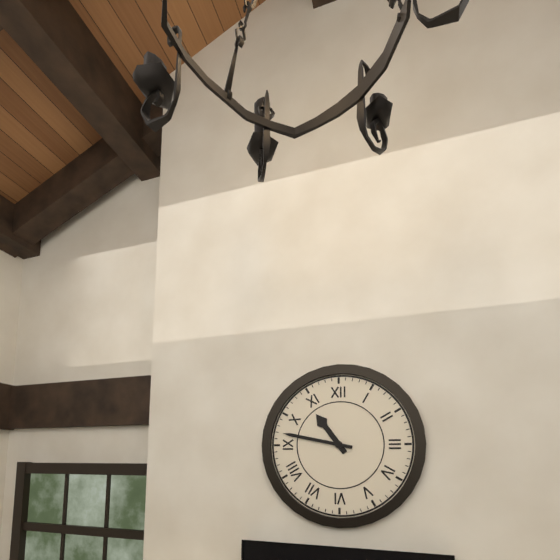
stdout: **10:47**
